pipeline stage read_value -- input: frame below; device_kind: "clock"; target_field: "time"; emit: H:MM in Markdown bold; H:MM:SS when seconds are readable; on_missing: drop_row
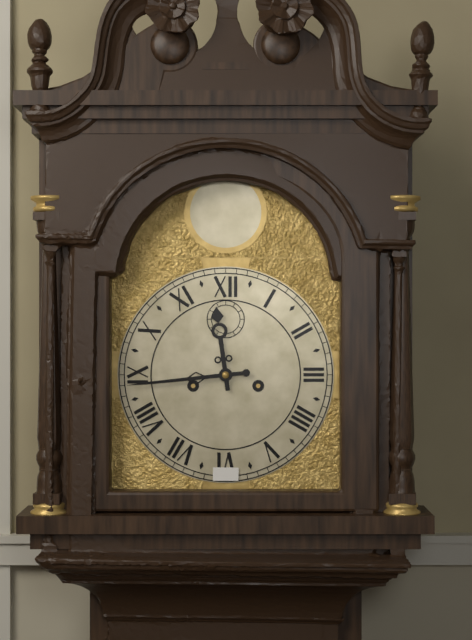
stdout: **11:44**
